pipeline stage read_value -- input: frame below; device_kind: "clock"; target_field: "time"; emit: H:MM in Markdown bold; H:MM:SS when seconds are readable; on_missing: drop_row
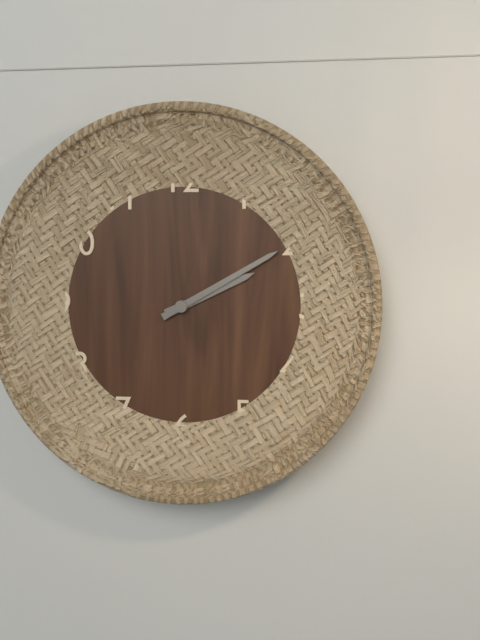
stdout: **2:10**
